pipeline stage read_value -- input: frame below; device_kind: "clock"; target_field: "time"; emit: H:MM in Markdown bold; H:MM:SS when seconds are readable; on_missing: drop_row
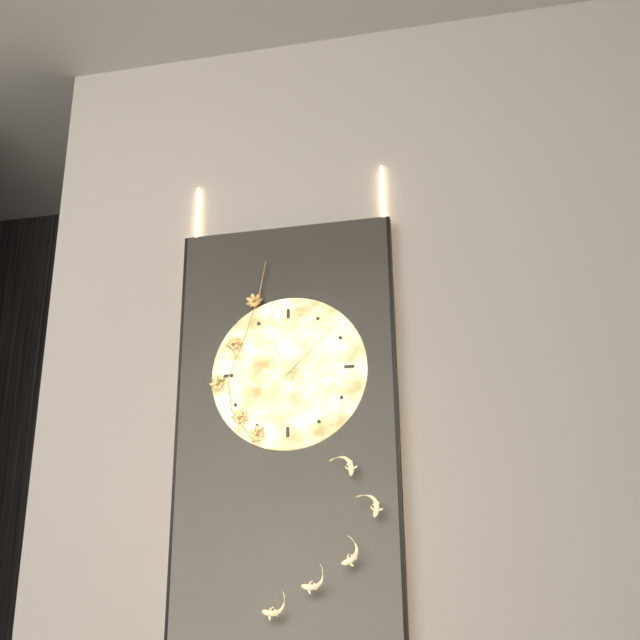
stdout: **11:08**
